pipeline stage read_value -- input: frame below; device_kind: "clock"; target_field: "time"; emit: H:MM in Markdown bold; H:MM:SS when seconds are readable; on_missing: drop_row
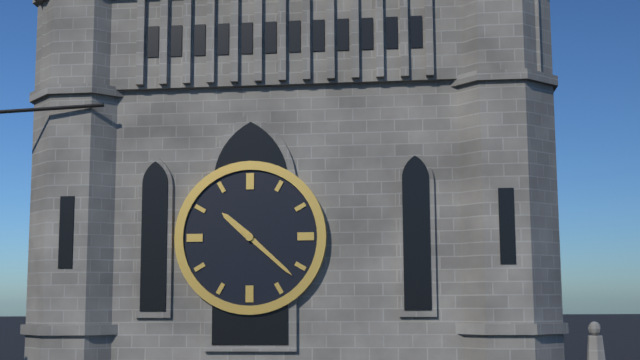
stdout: **10:22**
